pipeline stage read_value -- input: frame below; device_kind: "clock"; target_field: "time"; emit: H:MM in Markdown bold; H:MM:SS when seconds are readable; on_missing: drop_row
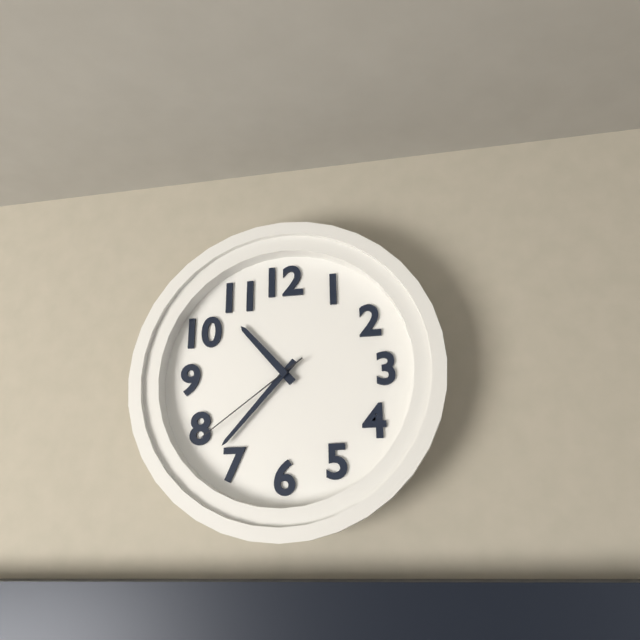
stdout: **10:37:39**
